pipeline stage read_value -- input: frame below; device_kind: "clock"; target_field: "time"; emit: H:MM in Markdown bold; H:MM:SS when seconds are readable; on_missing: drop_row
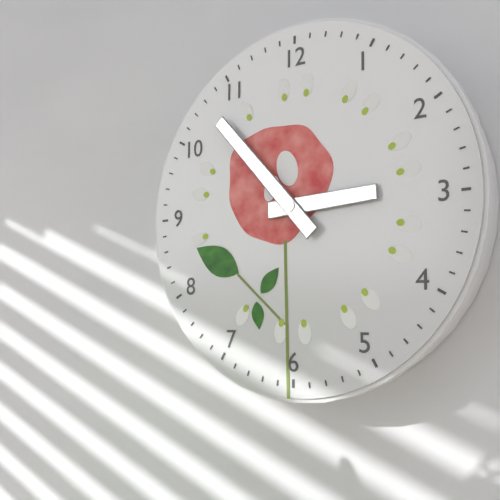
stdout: **2:53**
